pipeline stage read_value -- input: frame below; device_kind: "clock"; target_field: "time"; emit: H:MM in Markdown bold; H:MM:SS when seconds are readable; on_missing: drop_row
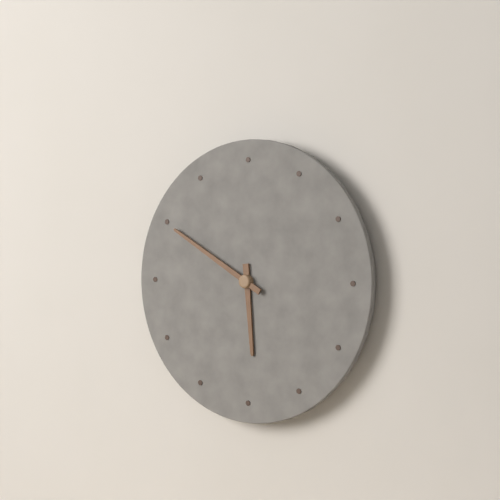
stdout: **5:50**
